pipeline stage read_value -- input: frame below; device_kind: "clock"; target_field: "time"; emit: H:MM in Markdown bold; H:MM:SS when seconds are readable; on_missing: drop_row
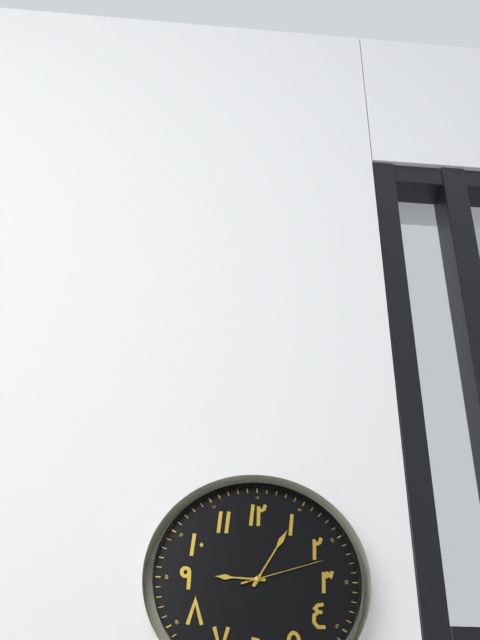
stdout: **9:05:12**
